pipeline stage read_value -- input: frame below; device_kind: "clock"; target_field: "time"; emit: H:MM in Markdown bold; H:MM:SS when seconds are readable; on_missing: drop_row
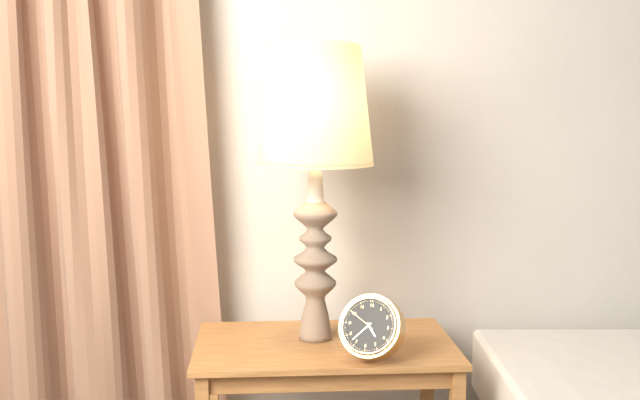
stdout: **4:37**
